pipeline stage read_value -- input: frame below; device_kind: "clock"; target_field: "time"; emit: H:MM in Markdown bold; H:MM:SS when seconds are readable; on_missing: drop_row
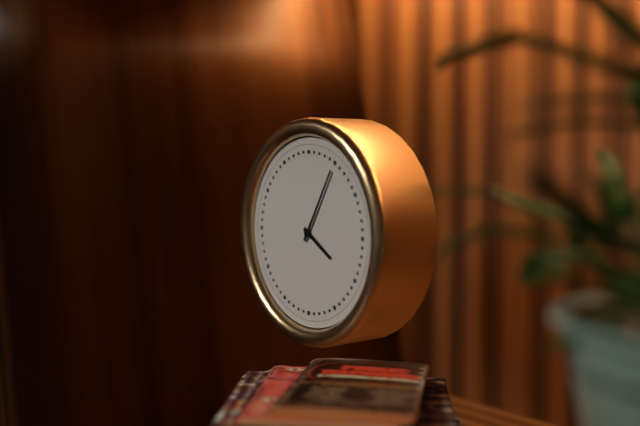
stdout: **4:05**
